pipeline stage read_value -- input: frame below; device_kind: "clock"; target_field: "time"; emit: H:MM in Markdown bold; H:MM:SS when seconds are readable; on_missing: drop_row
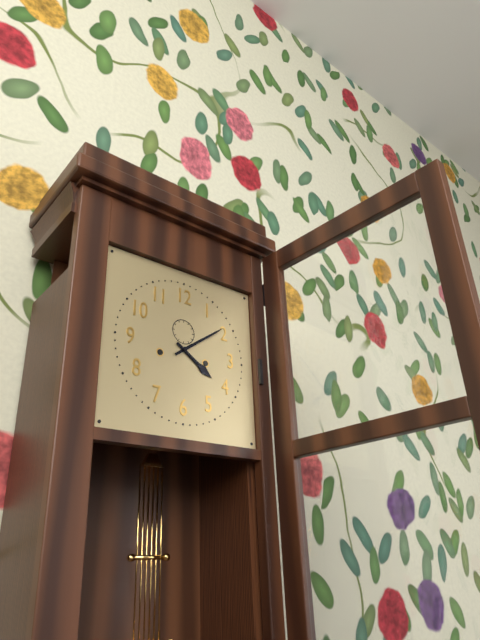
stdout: **4:09**
